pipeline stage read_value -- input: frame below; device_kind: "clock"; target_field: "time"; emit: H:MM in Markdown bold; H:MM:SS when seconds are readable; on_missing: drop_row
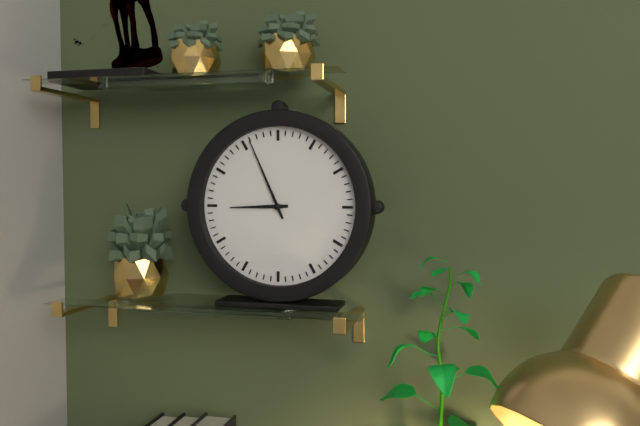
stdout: **8:56**
